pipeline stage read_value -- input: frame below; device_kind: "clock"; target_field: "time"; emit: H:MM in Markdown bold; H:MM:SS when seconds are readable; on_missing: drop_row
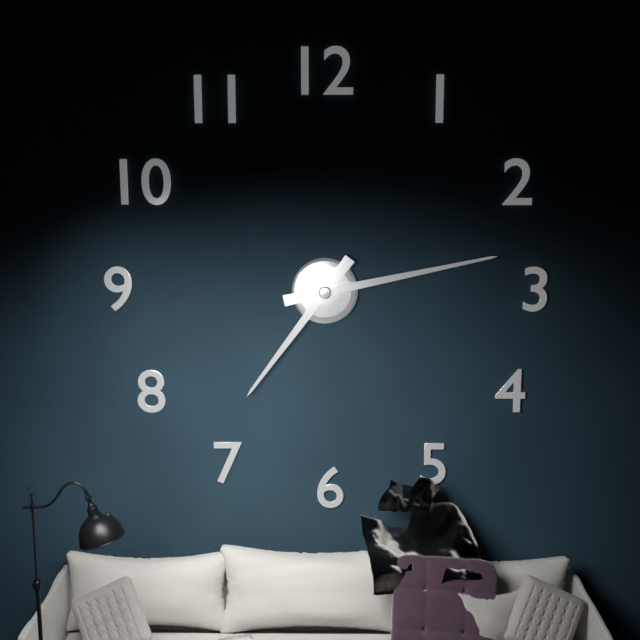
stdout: **7:13**
